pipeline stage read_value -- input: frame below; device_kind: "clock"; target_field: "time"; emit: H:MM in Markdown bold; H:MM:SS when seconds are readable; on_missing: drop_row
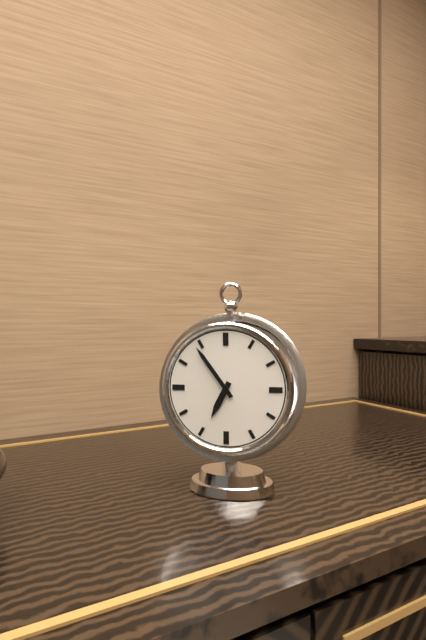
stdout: **6:54**
